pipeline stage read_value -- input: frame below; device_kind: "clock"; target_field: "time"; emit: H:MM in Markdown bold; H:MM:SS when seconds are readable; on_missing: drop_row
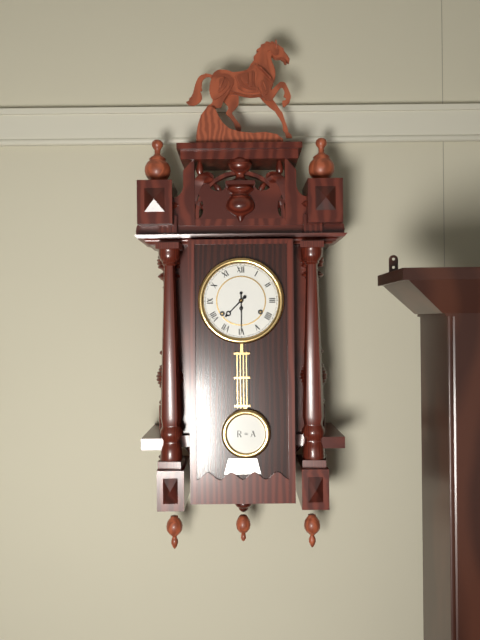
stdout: **7:30**
